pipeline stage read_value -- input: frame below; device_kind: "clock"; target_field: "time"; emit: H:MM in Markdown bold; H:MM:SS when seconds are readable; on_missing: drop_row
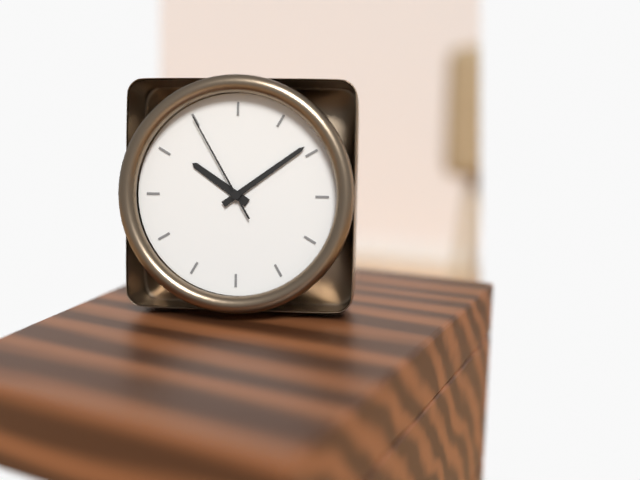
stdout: **10:09:55**
